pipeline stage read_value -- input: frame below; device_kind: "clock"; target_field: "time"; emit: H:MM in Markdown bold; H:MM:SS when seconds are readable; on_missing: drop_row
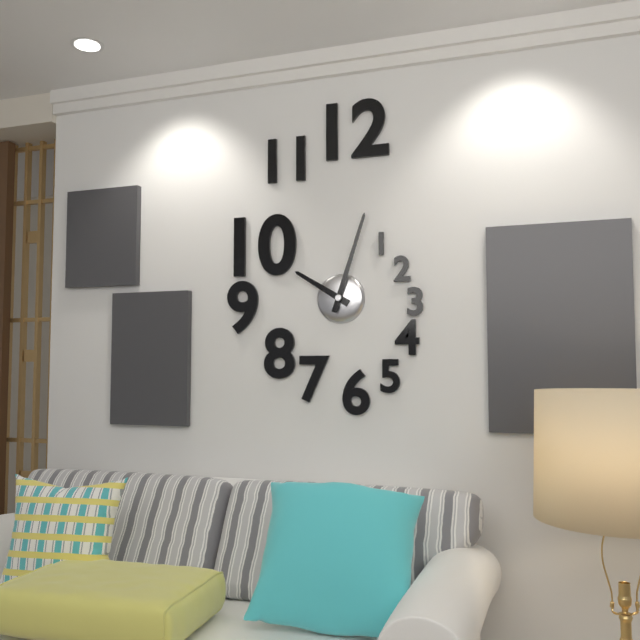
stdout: **10:03**
